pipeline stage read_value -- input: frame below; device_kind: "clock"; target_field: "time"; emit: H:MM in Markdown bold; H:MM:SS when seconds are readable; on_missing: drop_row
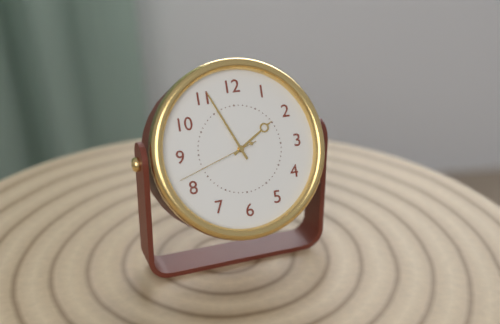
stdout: **1:56:42**
